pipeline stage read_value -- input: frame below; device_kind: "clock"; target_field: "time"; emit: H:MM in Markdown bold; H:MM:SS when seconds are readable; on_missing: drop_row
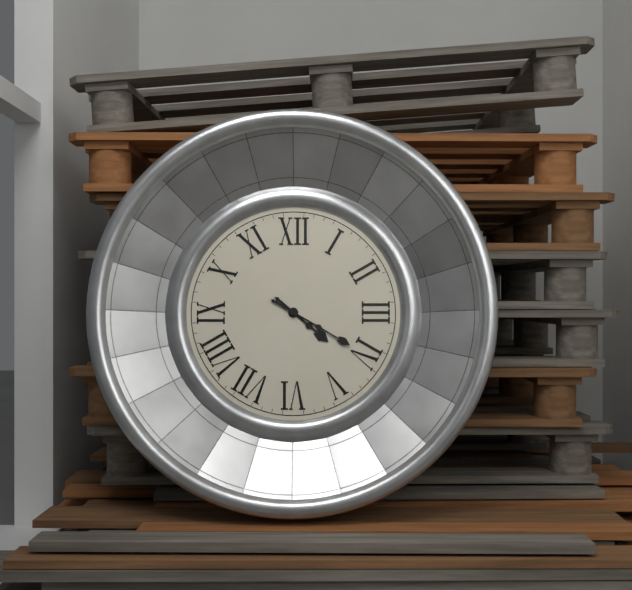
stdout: **4:20**
